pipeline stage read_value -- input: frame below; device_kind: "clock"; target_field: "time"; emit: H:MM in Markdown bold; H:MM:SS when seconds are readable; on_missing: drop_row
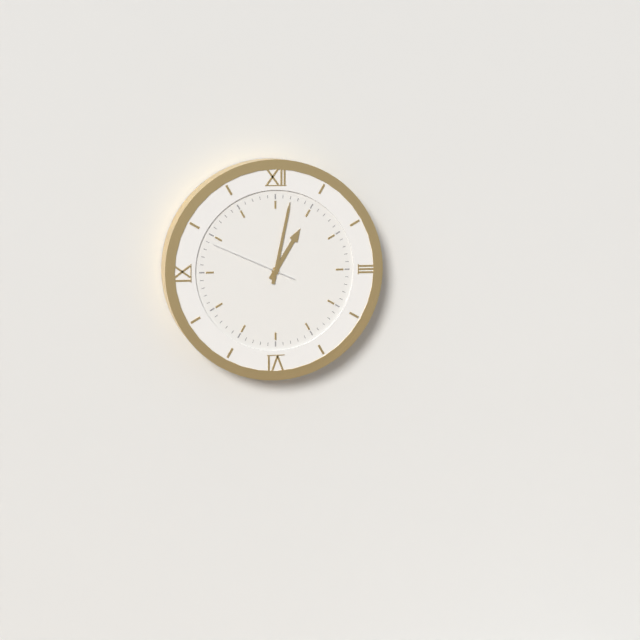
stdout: **1:02:49**
